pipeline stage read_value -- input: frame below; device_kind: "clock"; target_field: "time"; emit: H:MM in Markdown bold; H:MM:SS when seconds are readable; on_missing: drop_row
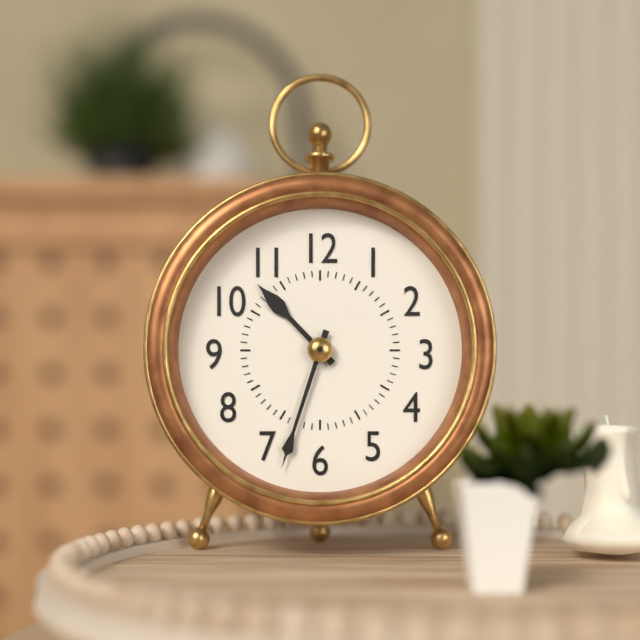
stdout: **10:33**
